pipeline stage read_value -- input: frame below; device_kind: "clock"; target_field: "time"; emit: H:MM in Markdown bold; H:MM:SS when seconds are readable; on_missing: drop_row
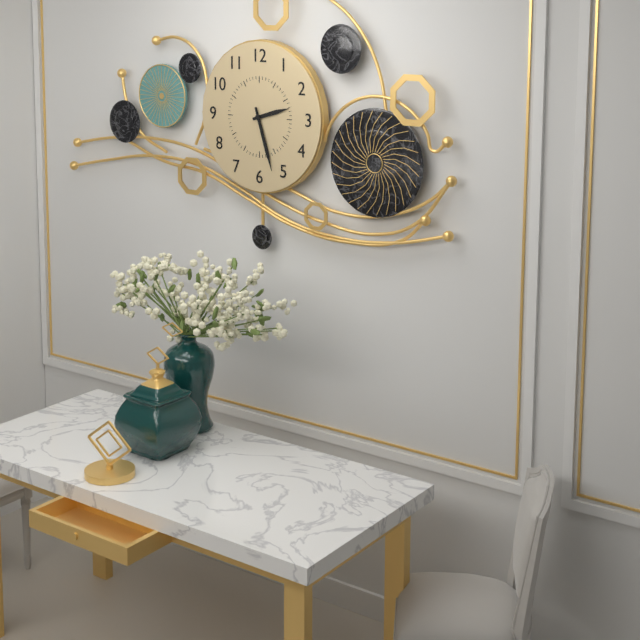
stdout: **2:27**
